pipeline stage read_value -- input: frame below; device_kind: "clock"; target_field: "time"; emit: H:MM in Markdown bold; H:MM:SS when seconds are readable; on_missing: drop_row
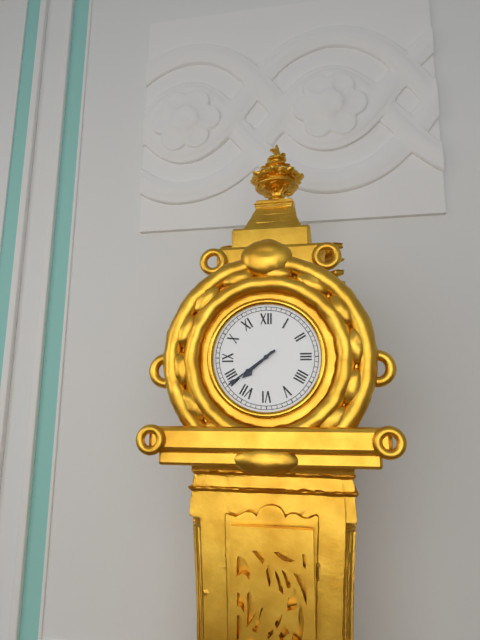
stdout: **7:39**
